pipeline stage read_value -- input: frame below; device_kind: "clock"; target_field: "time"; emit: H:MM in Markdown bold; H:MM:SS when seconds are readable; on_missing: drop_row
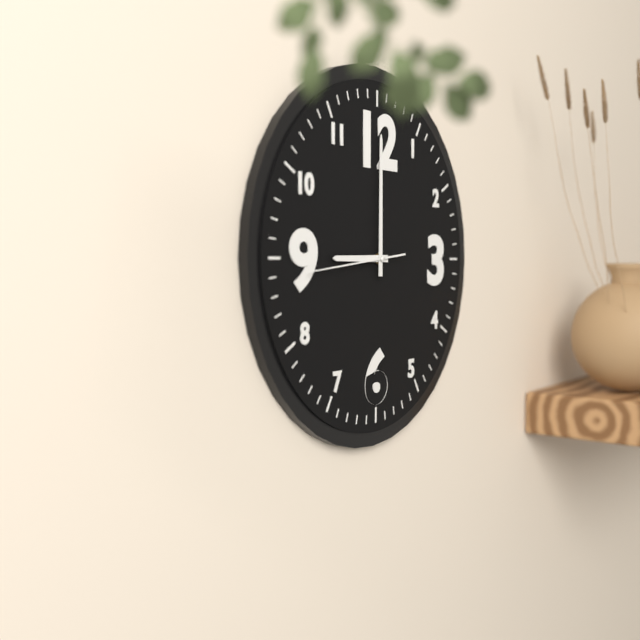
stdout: **9:00:44**
